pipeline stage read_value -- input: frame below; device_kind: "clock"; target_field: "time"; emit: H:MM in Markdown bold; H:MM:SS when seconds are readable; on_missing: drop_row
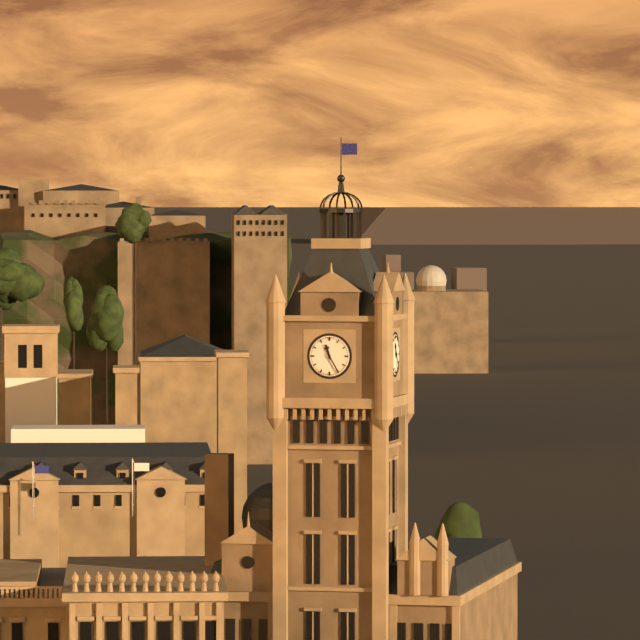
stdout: **11:25**
